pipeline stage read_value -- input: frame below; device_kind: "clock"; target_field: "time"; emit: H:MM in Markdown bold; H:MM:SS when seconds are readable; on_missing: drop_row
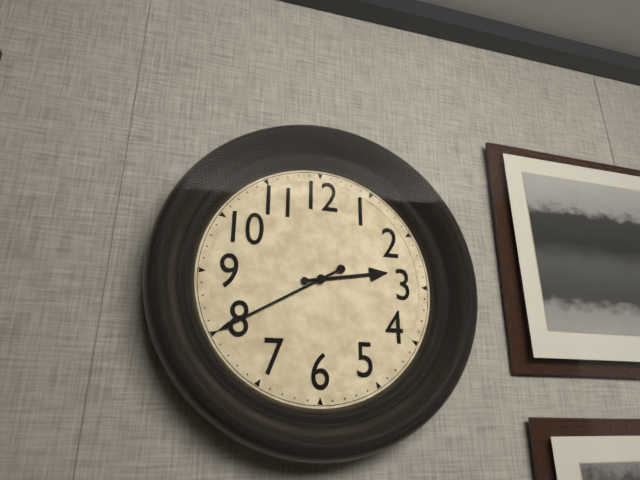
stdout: **2:40**
